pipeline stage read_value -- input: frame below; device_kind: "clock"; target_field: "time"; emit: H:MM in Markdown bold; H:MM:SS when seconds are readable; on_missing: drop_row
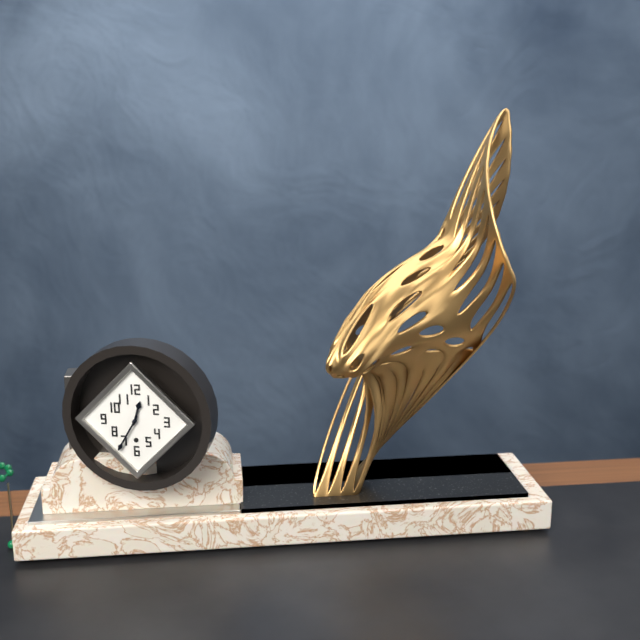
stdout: **12:35**
